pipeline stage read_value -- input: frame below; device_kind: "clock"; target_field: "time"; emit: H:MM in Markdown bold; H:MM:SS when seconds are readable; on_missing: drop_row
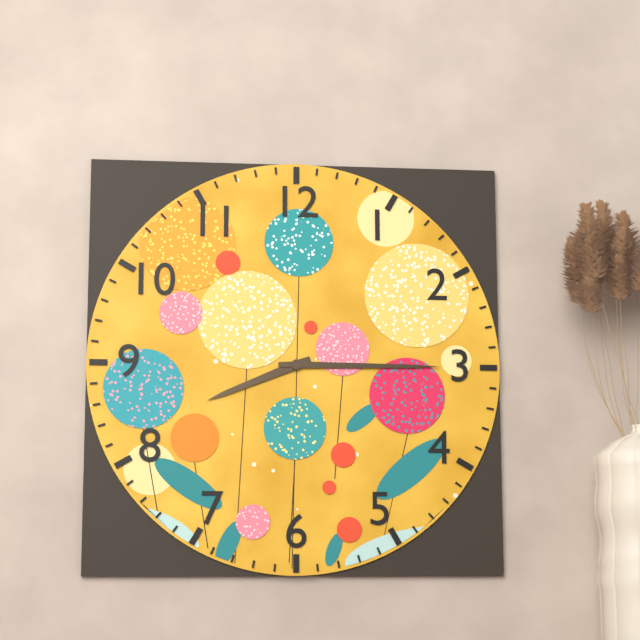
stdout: **8:15**
